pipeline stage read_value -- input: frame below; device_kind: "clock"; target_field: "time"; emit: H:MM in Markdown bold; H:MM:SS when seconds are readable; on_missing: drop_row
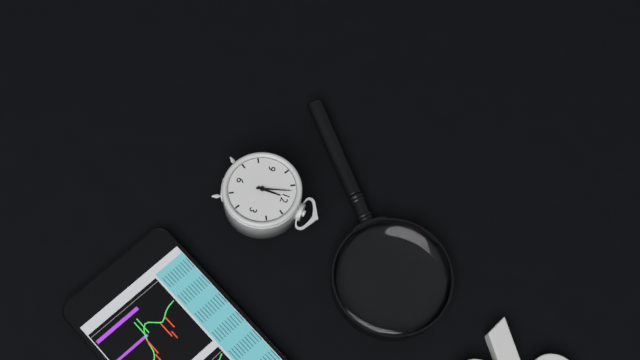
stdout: **11:57**
